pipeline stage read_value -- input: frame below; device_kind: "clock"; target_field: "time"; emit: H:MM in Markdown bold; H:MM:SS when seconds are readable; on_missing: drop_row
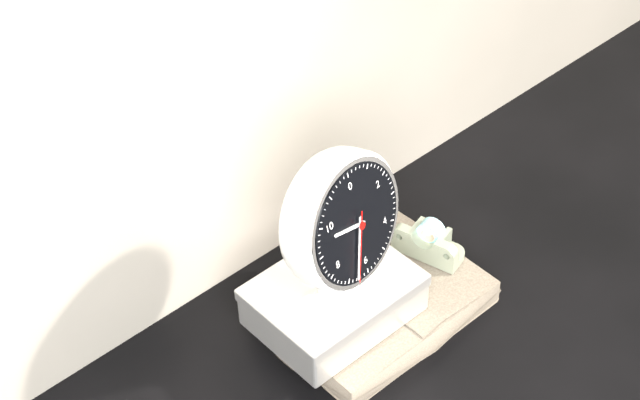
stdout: **9:33:33**
